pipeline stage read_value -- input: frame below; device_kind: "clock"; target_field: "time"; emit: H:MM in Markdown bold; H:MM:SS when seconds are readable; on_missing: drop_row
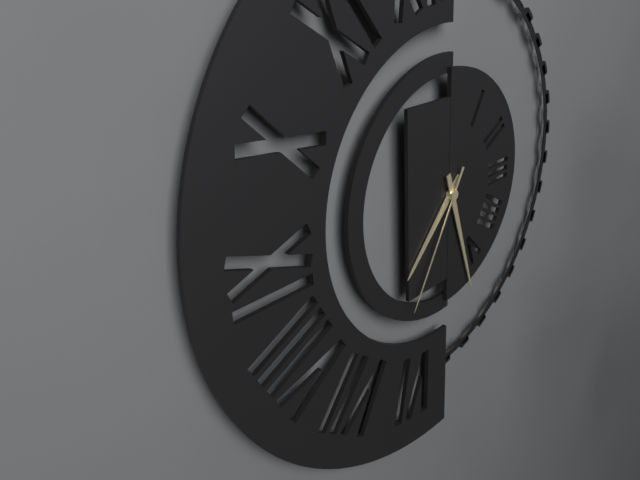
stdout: **7:27:35**
